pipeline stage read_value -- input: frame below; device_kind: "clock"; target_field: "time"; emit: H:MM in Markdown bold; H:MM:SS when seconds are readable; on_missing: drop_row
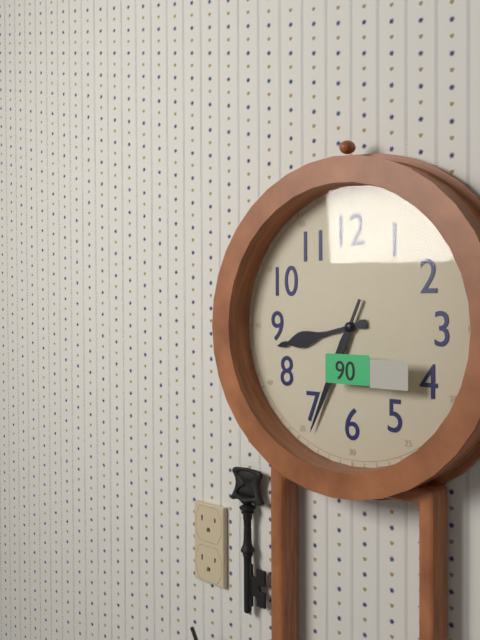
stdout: **8:34**
